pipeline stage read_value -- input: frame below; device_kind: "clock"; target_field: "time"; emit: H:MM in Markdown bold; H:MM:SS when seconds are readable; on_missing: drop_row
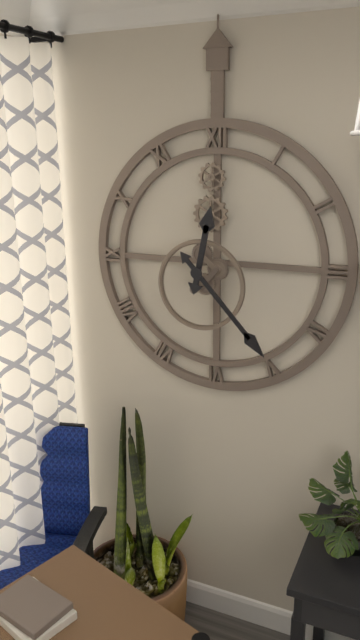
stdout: **12:23**
